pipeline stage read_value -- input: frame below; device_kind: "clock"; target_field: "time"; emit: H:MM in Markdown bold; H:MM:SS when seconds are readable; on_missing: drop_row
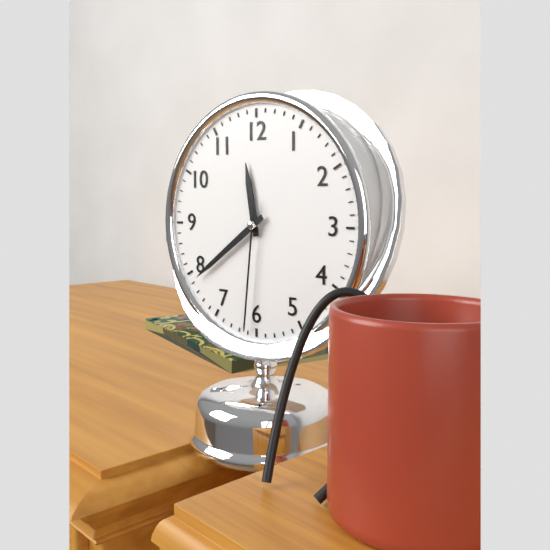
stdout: **11:39:31**
